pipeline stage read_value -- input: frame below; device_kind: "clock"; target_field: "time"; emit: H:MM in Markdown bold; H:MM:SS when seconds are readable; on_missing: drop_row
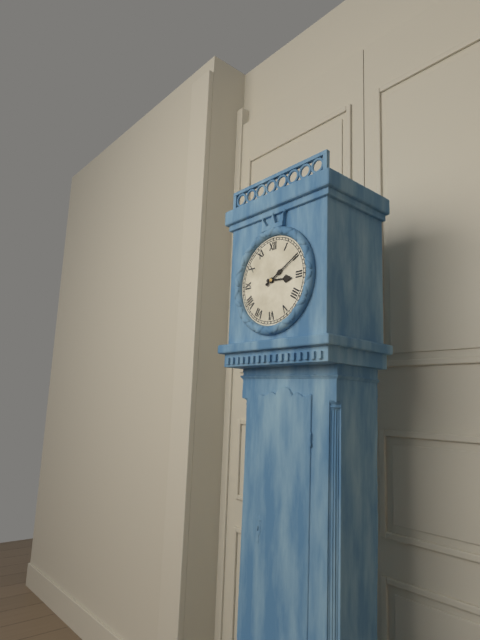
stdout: **3:10**
